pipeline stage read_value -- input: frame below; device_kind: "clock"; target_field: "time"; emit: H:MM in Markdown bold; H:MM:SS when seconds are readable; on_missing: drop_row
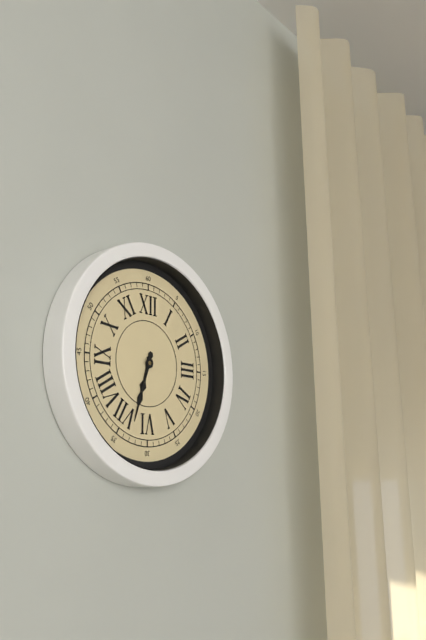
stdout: **6:33**
